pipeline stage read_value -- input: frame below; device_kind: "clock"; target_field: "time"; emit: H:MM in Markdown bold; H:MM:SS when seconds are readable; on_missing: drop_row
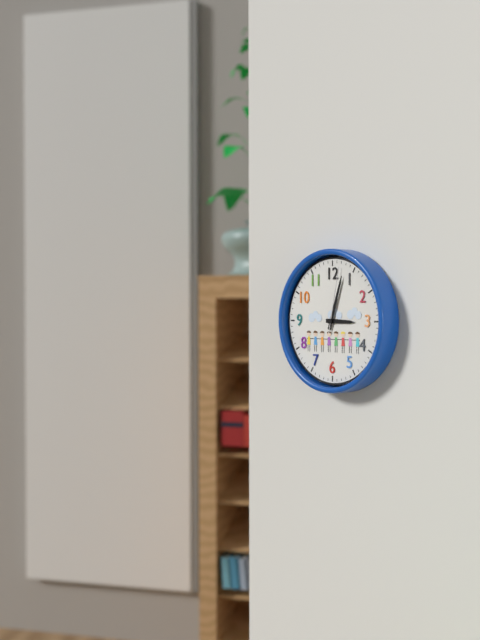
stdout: **3:03:02**
